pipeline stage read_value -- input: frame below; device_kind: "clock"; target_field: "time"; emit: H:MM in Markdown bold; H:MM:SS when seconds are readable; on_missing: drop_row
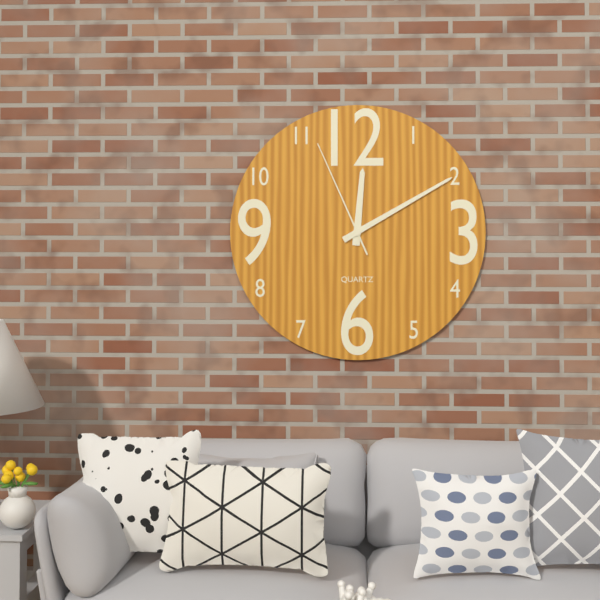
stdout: **12:10:56**
